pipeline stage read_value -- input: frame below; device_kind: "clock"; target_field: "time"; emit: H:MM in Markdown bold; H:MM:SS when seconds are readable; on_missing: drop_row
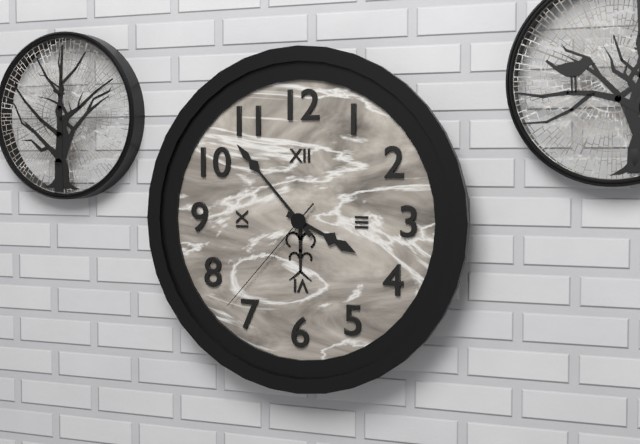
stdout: **3:53:37**
